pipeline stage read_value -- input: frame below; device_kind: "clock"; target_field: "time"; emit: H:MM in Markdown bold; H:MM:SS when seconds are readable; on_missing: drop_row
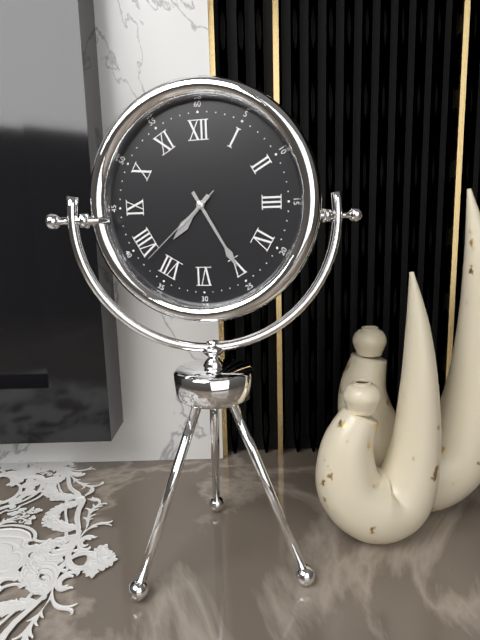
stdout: **7:25:38**
